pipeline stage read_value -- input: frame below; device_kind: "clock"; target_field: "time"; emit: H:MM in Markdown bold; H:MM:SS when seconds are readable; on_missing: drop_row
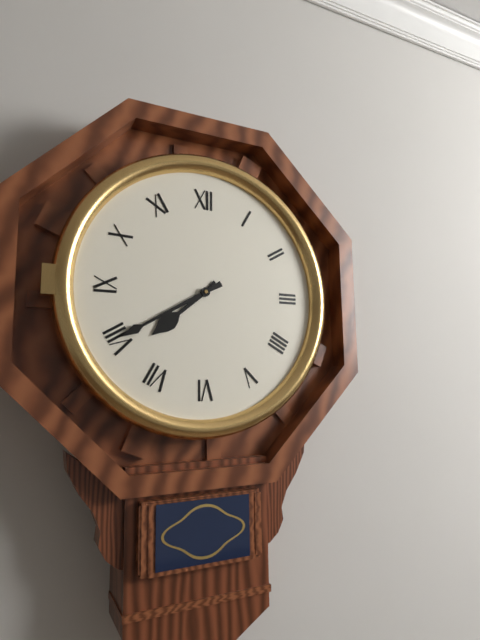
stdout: **7:40**
